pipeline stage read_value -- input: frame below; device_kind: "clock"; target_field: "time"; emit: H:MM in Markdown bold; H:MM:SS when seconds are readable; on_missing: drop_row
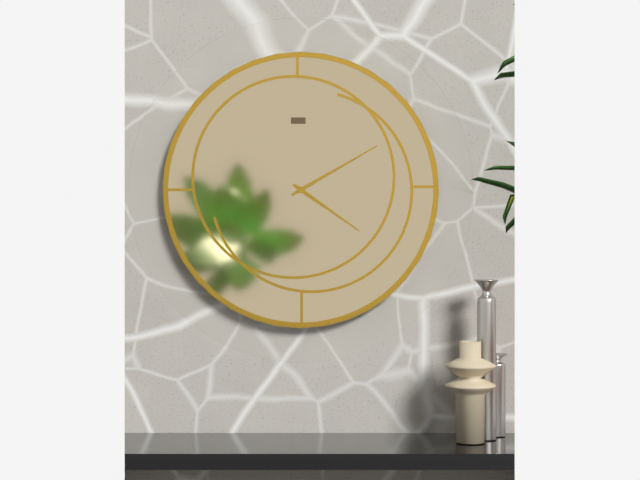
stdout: **4:10**
